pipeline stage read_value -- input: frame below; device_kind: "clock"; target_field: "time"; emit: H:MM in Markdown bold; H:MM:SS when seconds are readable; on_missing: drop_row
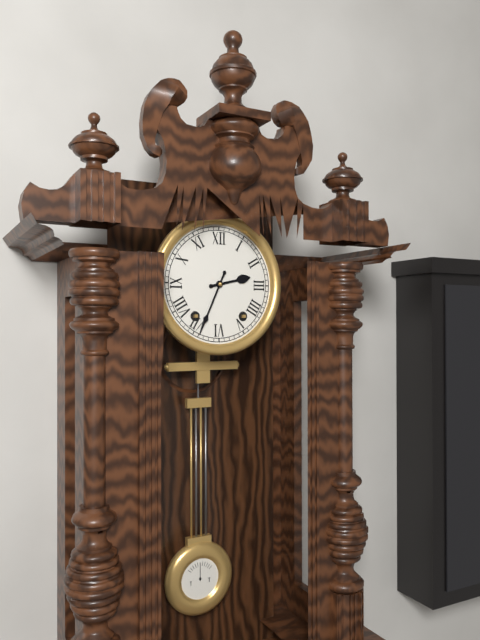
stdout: **2:34**
